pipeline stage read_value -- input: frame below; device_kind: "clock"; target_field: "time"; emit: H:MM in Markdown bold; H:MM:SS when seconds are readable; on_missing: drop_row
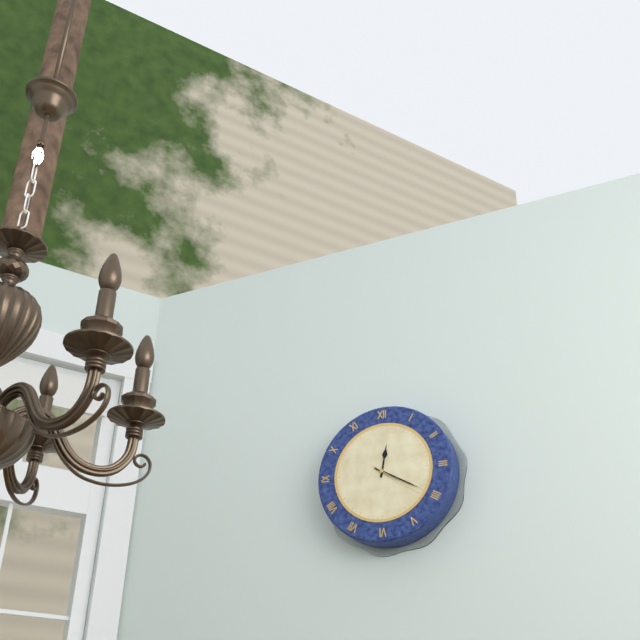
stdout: **12:20:21**
